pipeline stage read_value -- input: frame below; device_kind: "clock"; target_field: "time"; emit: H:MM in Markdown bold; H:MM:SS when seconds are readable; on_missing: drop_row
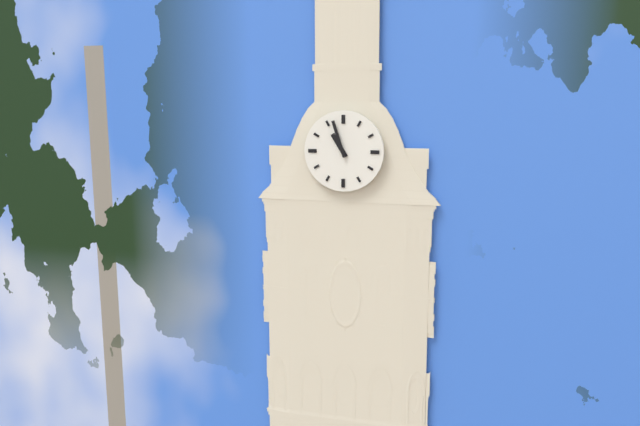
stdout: **10:57**
